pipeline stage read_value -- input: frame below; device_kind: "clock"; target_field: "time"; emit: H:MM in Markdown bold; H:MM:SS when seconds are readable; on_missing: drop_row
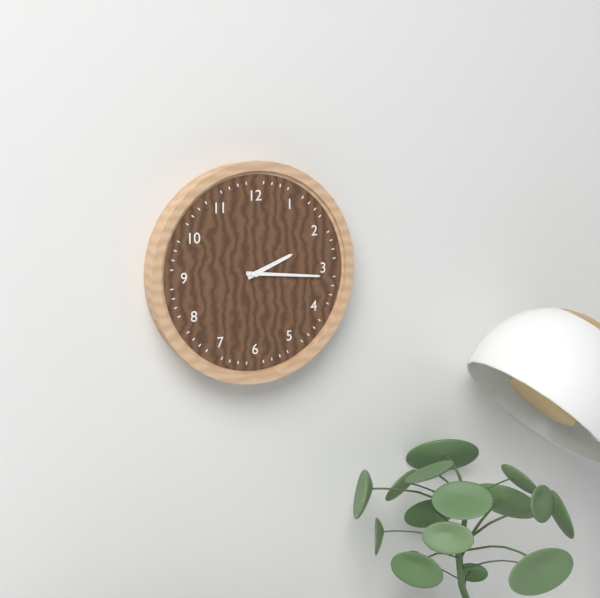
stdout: **2:16**
